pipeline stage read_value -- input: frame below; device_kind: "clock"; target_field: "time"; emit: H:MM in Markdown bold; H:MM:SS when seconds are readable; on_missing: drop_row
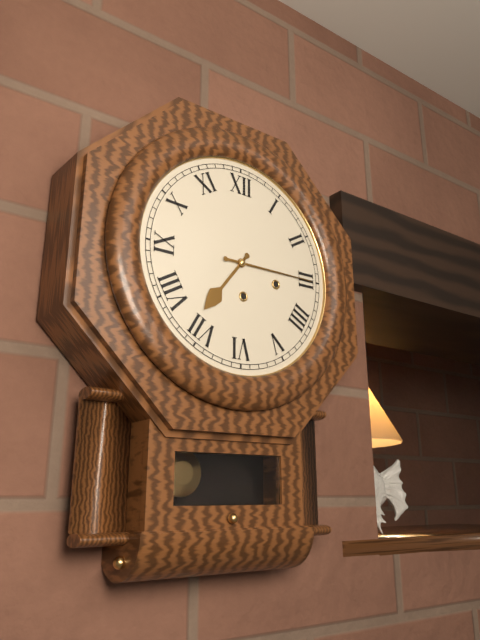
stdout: **7:15**
